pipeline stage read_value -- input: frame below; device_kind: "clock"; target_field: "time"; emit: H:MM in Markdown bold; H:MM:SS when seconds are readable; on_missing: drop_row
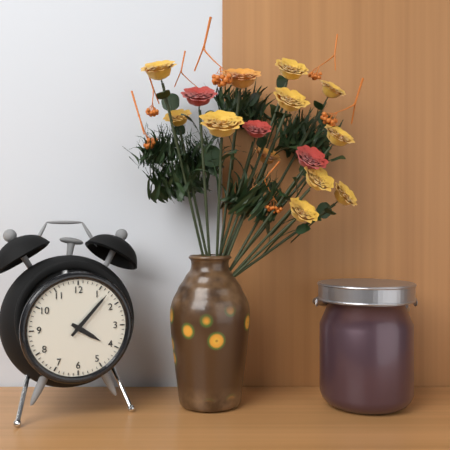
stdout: **4:07**
